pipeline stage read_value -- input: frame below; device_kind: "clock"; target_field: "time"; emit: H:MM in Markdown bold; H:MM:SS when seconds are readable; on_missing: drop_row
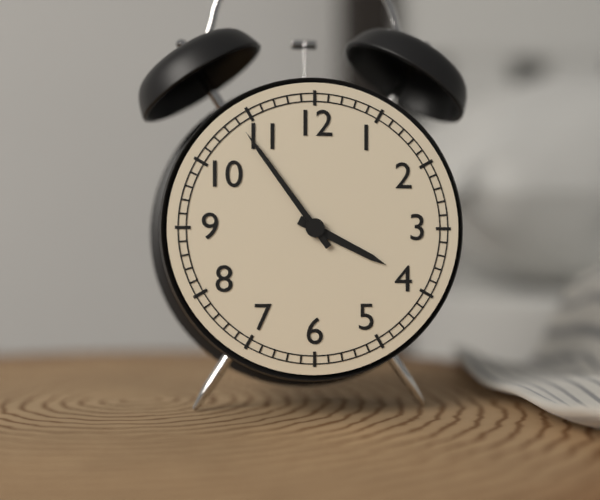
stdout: **3:54**
